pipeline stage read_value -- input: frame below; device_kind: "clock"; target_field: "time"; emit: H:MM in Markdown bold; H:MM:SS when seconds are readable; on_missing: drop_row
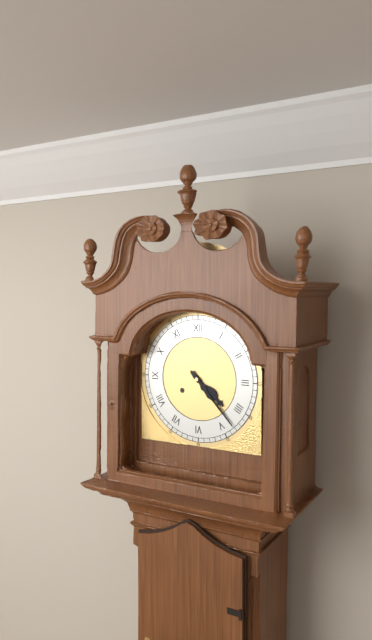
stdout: **4:23**
